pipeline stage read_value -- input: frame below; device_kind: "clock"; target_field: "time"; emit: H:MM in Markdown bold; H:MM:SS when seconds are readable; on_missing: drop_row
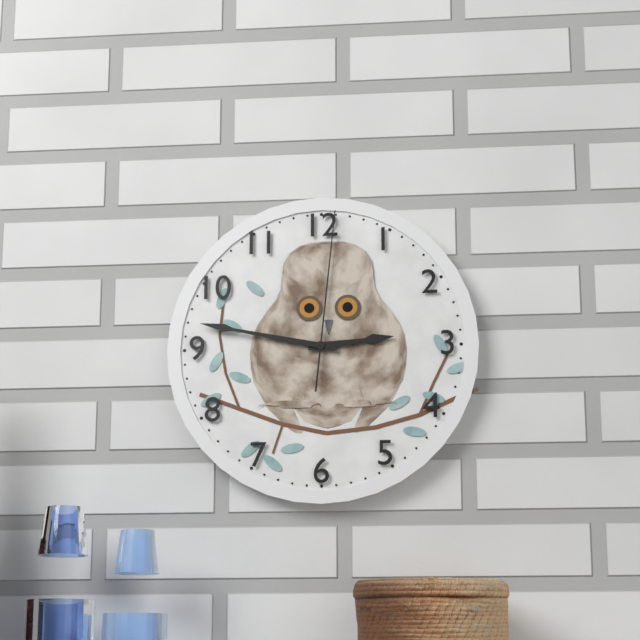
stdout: **2:47:01**
